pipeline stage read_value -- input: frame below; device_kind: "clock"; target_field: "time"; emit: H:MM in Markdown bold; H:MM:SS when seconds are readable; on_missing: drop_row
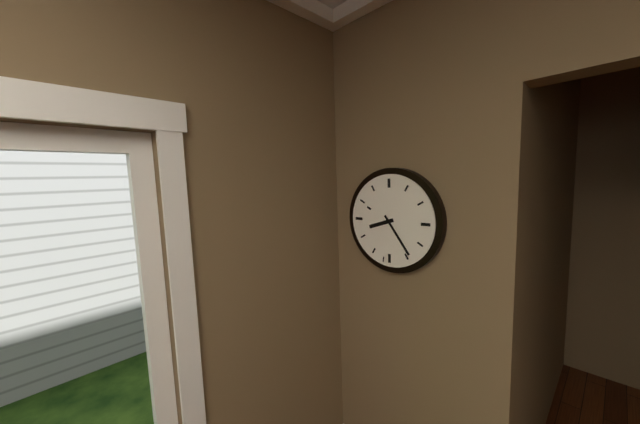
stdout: **8:24**
